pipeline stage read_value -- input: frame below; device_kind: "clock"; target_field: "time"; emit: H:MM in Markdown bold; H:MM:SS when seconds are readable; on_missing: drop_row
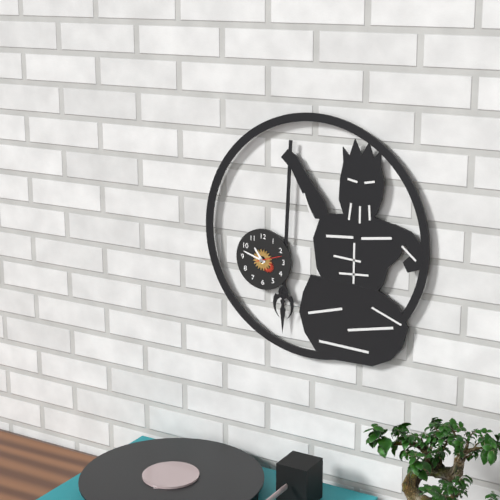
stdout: **10:48**
